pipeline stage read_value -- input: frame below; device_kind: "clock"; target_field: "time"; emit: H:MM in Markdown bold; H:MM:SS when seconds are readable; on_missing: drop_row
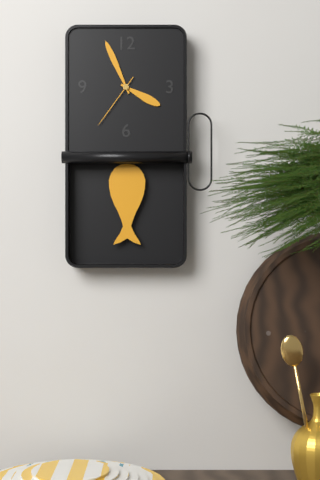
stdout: **3:56:36**
